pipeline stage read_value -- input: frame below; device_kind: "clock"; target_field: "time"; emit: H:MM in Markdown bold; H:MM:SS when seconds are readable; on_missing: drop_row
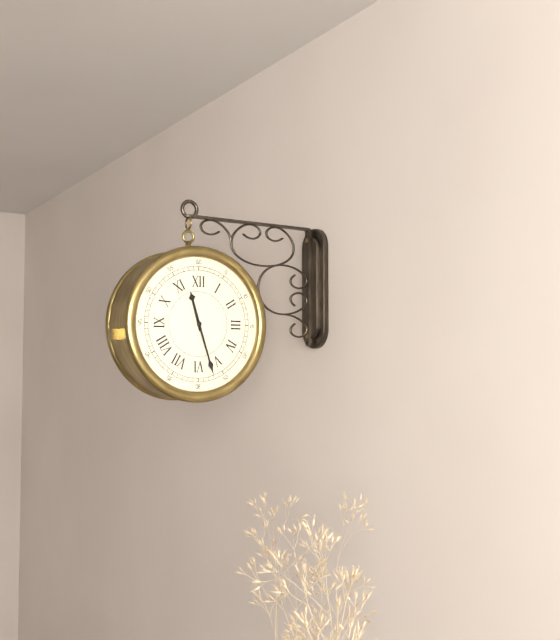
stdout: **11:27**
